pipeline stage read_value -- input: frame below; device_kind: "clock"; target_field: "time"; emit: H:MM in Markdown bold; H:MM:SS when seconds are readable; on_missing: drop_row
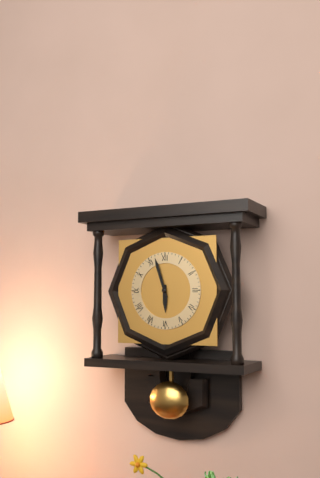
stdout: **5:57**
